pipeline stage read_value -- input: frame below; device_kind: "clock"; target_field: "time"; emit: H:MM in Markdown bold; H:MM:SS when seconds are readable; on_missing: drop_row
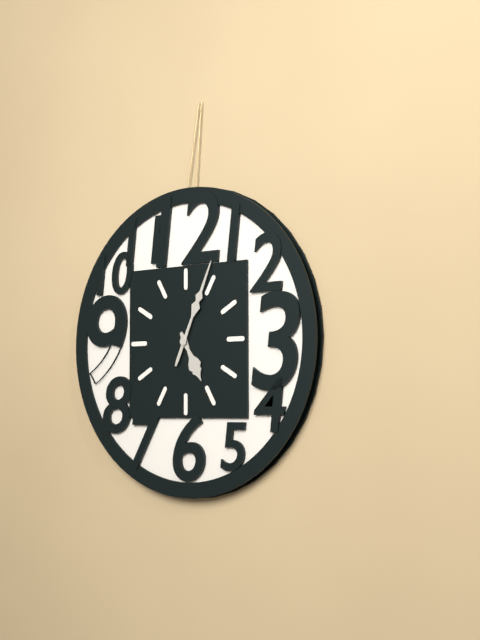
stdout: **5:04**
